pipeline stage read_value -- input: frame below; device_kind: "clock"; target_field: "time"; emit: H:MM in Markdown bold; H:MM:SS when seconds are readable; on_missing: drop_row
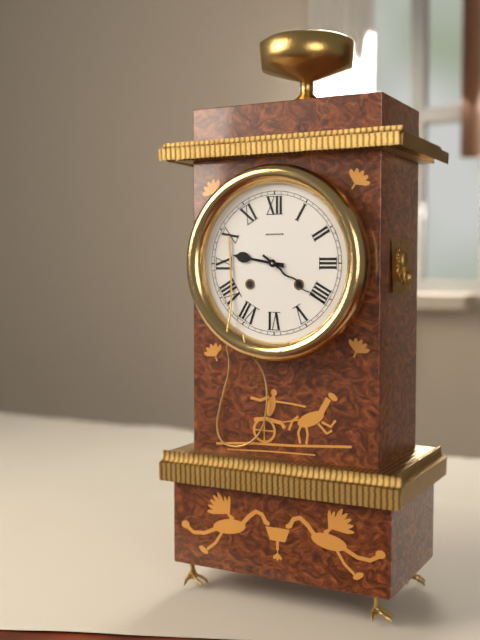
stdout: **9:21**
